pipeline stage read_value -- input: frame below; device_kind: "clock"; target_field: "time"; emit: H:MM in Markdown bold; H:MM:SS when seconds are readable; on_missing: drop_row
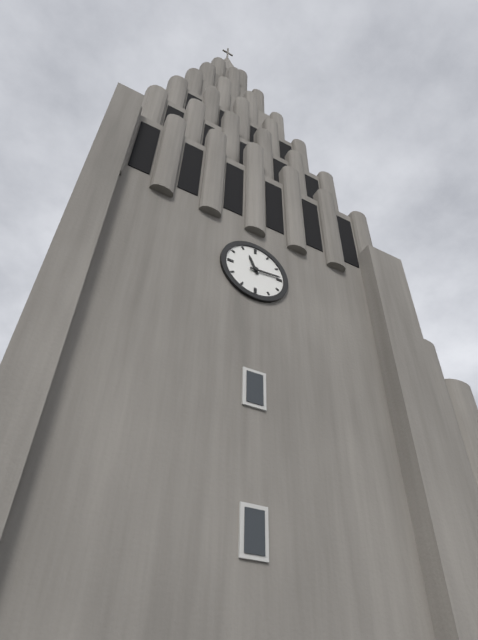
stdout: **11:14**
